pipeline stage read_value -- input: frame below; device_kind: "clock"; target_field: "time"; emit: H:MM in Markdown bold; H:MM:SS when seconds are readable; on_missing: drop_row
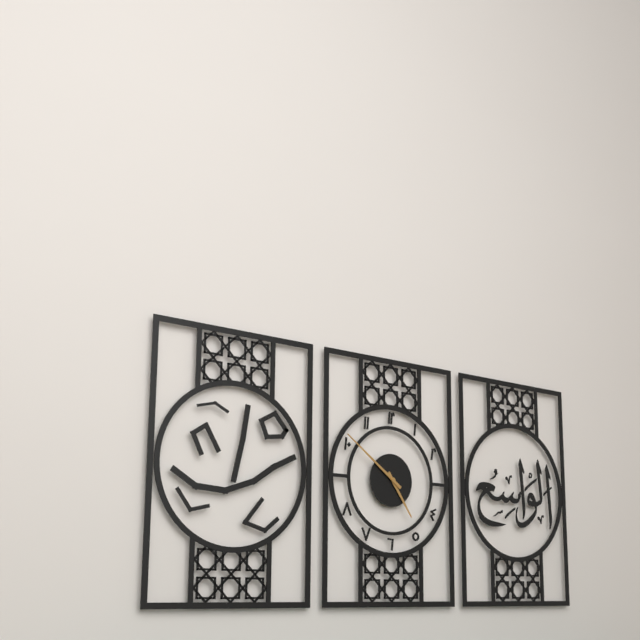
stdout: **4:51**
